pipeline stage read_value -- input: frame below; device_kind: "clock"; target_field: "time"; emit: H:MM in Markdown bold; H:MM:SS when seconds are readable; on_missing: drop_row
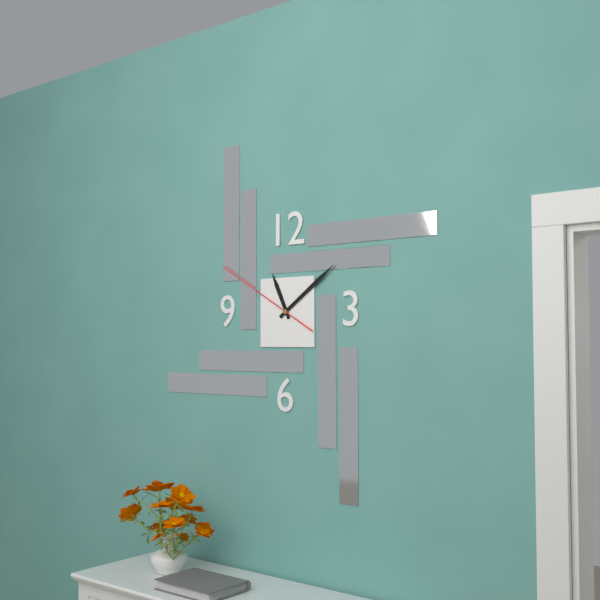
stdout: **11:09:50**
